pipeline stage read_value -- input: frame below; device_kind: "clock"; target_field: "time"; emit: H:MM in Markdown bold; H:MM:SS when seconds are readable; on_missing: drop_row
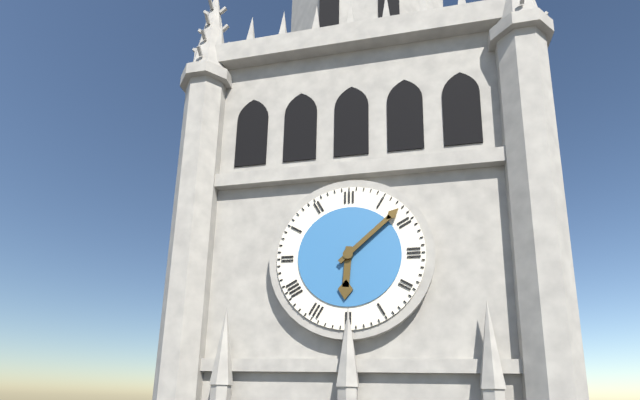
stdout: **6:08**
